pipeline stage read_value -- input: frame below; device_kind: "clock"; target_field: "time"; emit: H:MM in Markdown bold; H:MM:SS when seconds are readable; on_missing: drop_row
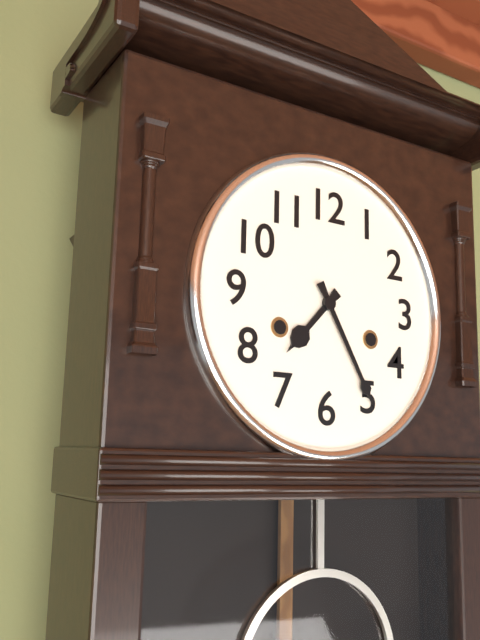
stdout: **7:25**
